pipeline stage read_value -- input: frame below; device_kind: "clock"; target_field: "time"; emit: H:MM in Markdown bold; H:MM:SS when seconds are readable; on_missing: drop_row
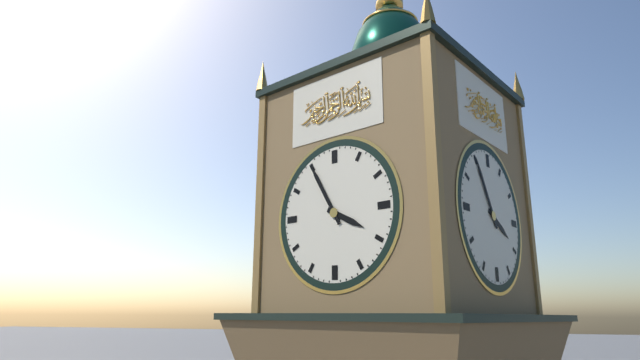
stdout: **3:55**
